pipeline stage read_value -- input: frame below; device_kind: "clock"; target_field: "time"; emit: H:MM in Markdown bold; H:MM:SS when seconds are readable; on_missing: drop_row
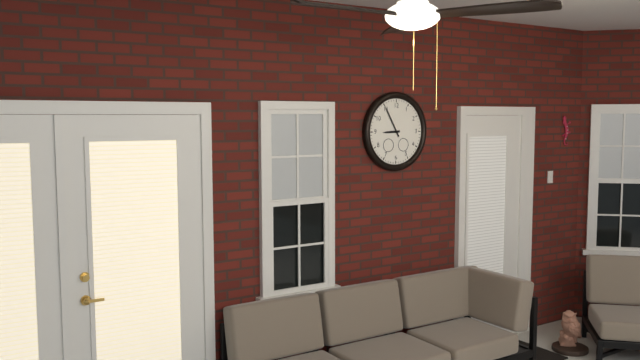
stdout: **8:55**
